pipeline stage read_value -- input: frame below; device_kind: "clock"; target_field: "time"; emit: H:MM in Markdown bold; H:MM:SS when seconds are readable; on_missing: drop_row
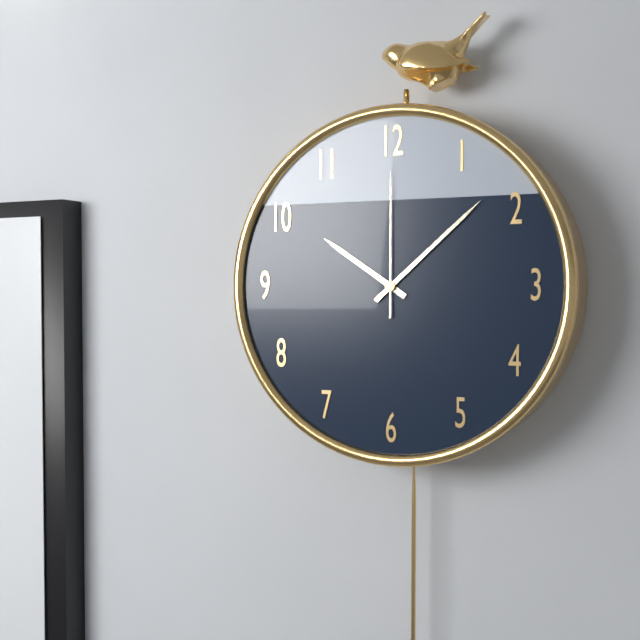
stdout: **10:08:00**
